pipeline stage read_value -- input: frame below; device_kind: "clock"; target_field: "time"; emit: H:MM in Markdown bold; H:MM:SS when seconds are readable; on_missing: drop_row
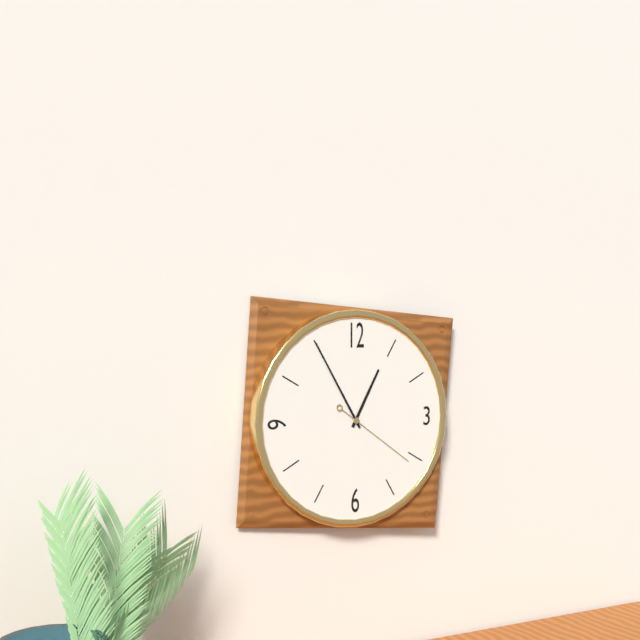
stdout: **12:55:21**
